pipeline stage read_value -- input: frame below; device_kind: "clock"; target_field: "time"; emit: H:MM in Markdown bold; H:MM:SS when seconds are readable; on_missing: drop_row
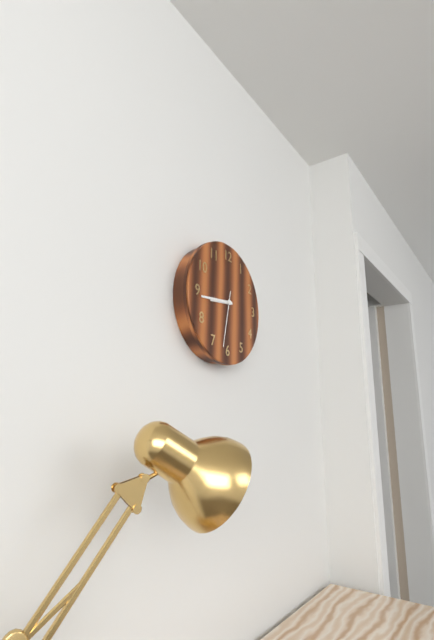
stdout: **8:44:32**
